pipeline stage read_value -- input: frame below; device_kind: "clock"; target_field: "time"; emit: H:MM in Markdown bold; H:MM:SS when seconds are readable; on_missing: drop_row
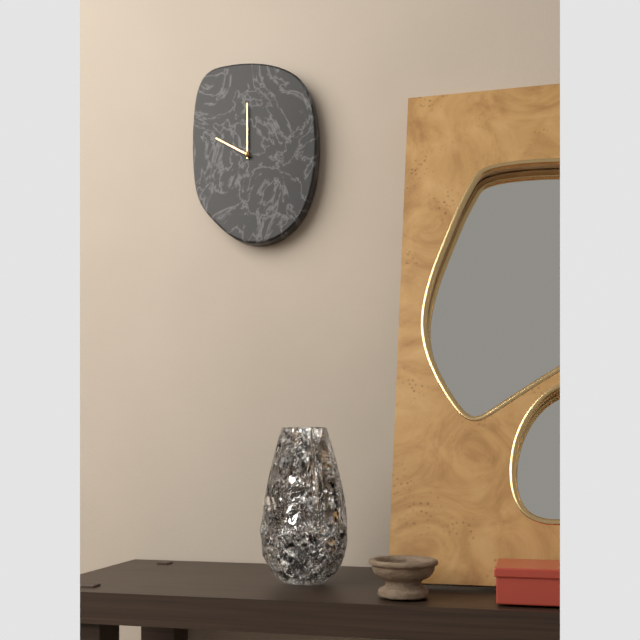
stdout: **10:00**
